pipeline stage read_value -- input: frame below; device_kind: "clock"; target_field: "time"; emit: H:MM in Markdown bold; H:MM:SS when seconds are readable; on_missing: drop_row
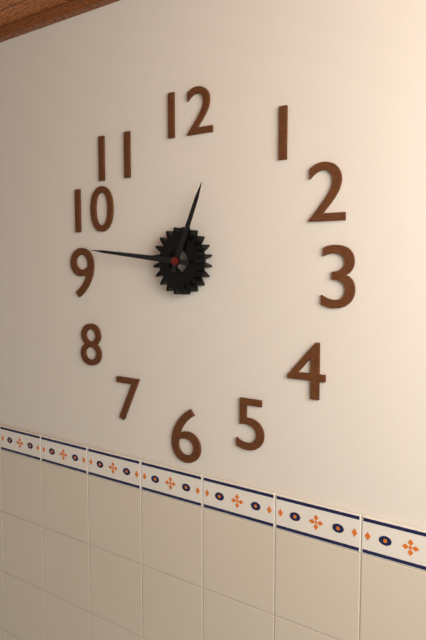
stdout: **12:46**
